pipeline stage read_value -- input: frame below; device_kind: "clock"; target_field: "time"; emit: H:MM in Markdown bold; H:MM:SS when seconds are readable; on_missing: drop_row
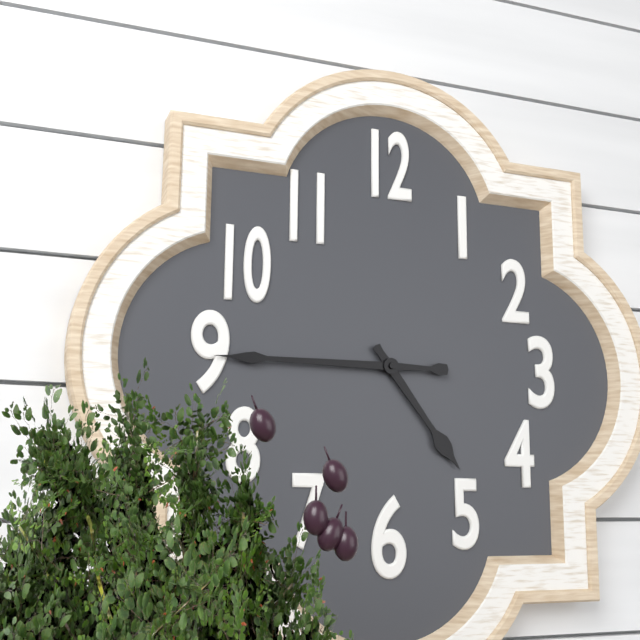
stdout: **4:45**
